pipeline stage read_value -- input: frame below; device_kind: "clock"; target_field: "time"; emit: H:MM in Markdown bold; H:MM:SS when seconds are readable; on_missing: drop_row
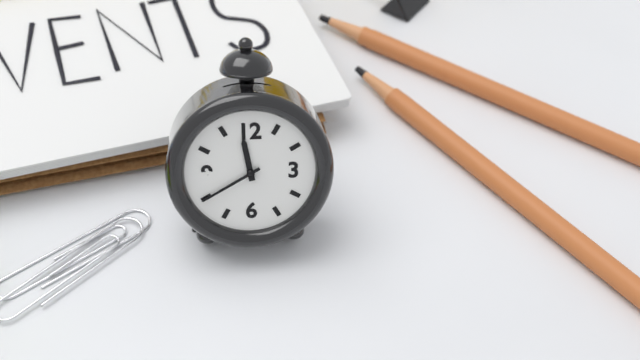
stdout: **11:40**
